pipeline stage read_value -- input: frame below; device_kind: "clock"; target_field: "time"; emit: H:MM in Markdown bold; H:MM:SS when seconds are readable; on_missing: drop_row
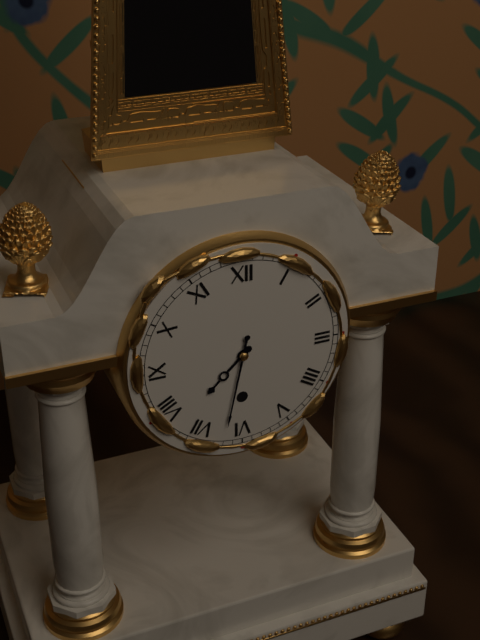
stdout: **7:32**
